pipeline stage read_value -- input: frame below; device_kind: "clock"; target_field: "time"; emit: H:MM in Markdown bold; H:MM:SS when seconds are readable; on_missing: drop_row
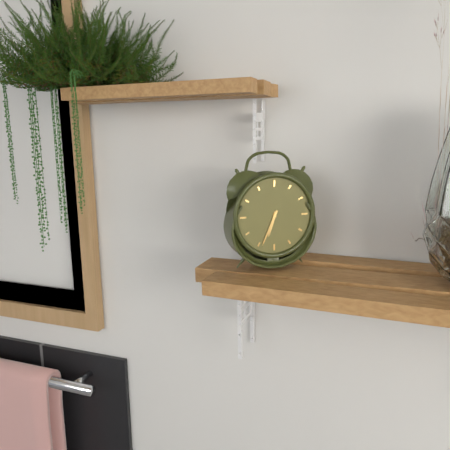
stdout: **6:34**
